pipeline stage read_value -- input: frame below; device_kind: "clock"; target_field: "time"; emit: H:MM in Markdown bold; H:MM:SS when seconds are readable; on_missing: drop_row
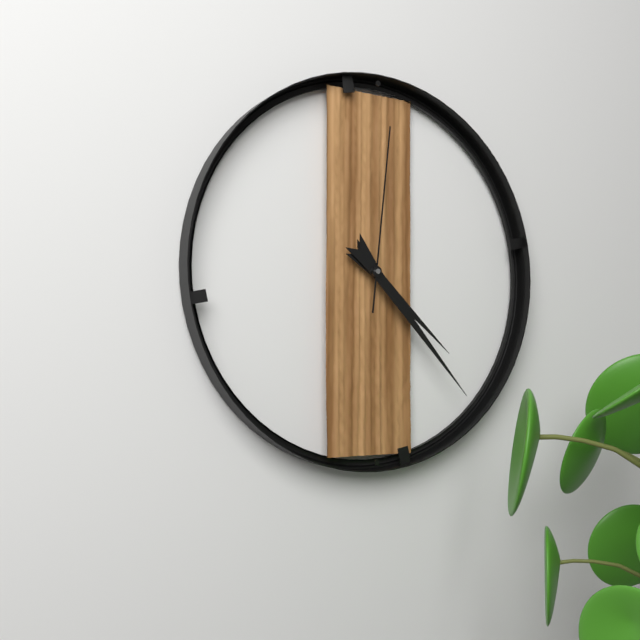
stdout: **4:23:01**
